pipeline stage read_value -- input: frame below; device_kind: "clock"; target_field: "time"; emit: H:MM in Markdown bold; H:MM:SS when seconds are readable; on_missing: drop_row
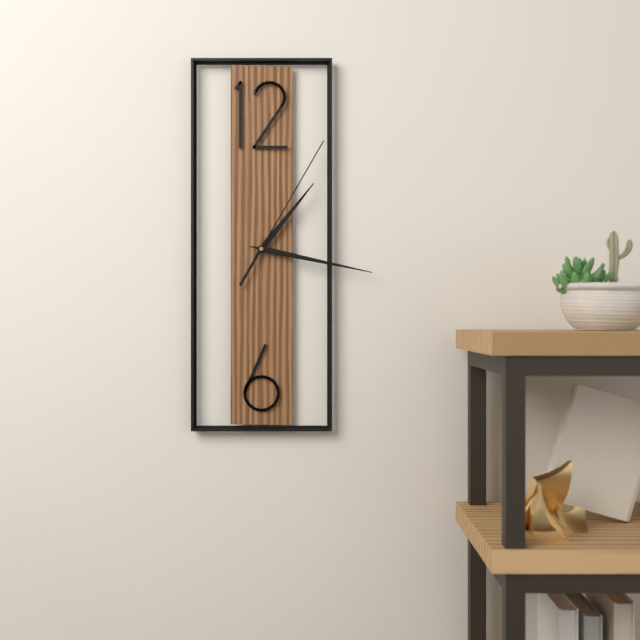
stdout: **1:17:05**
